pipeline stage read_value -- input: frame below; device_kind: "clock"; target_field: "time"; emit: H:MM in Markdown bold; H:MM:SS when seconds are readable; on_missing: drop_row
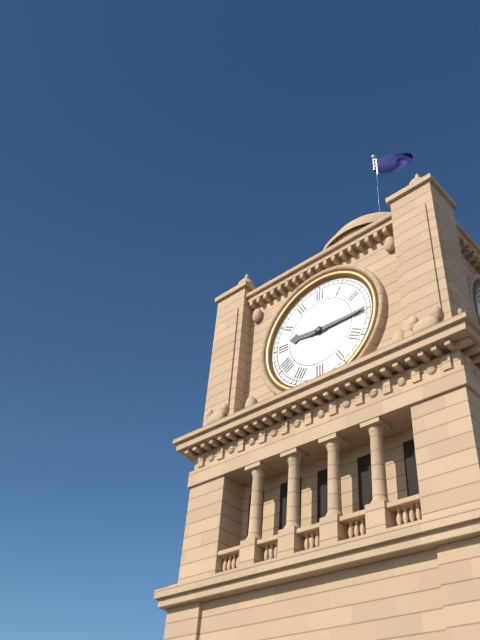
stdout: **9:15**
